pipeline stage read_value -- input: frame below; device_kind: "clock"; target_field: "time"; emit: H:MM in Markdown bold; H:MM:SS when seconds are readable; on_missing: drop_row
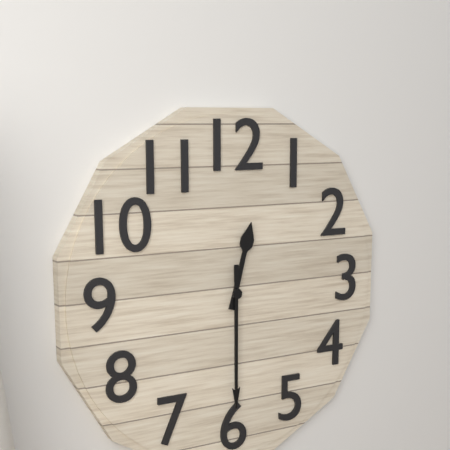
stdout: **12:30**
